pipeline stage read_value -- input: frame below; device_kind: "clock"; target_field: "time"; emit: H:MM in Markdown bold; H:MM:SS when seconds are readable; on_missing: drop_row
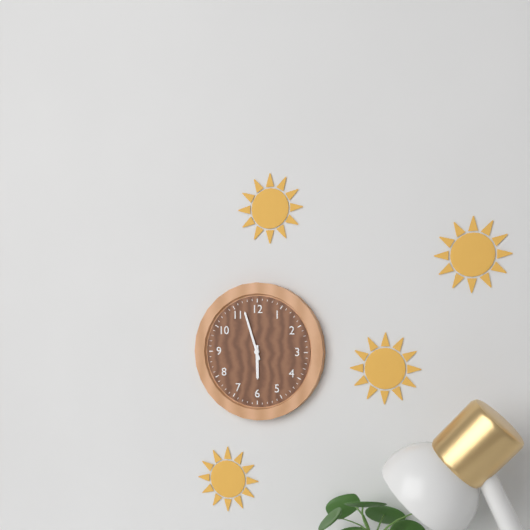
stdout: **5:57**
